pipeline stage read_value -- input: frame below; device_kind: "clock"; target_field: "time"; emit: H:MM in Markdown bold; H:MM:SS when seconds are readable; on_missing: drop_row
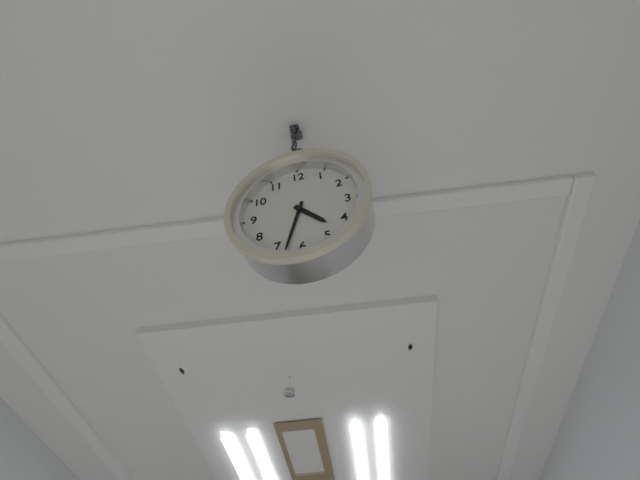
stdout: **4:33**
